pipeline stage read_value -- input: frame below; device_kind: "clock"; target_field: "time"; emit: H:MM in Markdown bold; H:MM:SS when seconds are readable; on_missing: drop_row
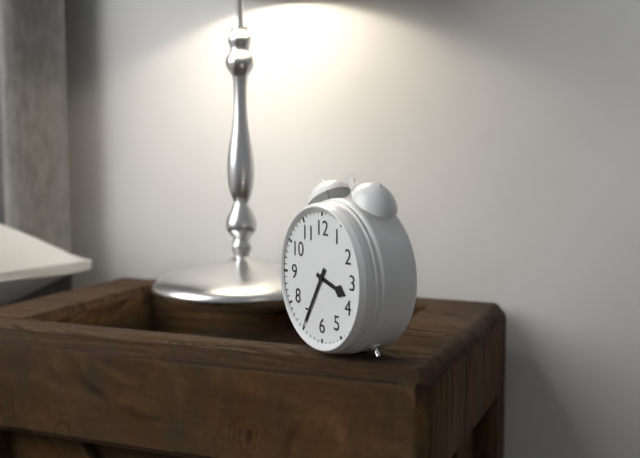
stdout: **3:35**
